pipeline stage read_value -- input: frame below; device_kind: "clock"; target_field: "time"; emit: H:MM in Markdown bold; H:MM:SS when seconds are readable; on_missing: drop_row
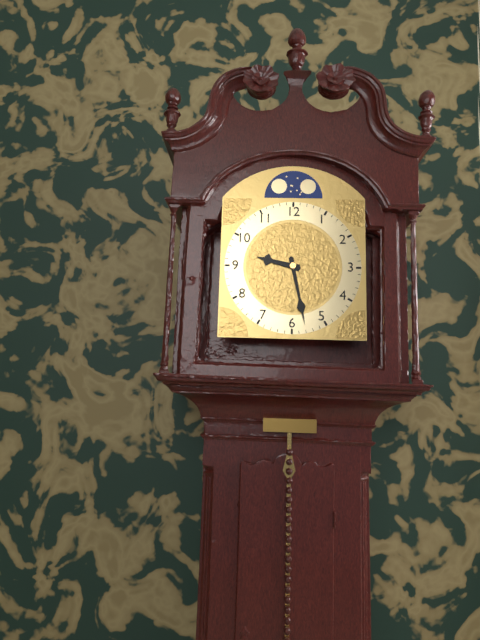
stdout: **9:28**
